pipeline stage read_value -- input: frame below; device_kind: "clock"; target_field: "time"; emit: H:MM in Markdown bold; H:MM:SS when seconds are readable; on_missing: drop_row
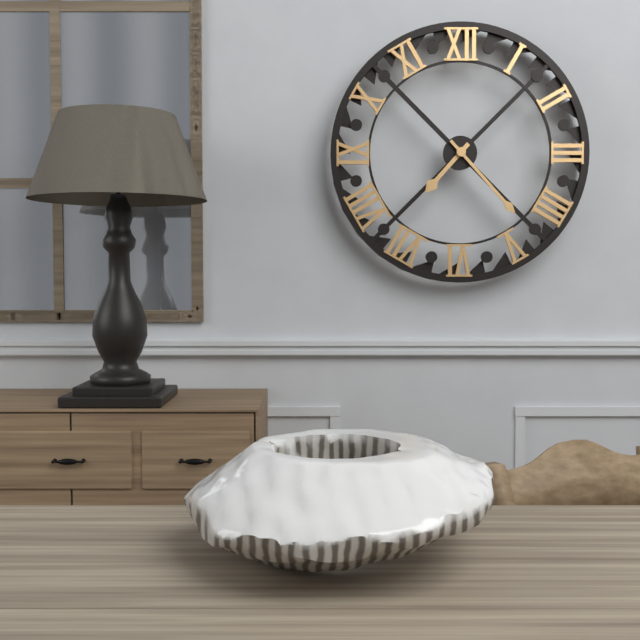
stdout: **7:23**
